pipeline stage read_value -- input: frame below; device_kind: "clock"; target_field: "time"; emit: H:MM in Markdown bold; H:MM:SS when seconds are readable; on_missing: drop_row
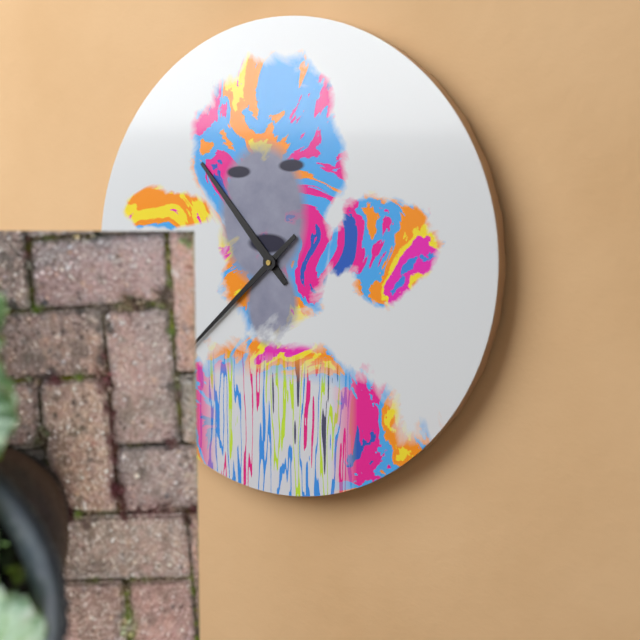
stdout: **10:38**
